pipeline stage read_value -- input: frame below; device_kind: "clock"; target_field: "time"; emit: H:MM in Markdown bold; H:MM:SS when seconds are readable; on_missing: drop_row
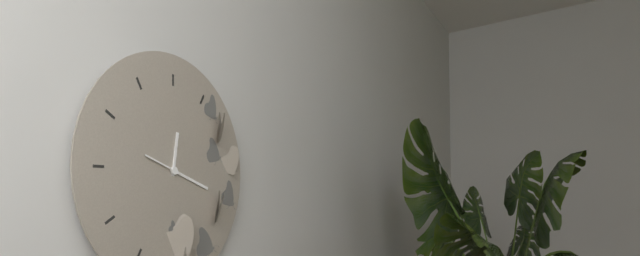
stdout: **12:18**
